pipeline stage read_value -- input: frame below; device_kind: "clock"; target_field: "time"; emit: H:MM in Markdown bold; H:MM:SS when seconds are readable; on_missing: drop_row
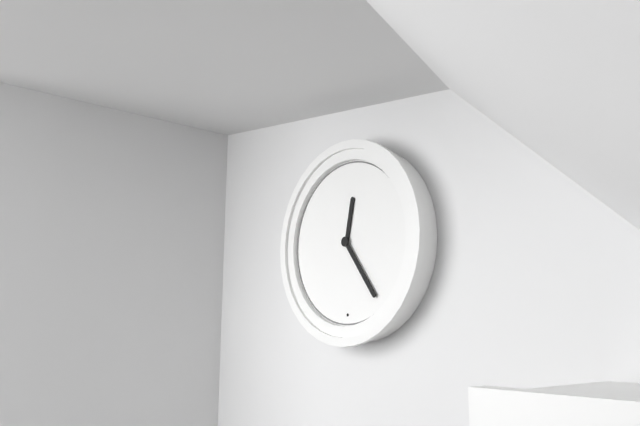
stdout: **12:24**
